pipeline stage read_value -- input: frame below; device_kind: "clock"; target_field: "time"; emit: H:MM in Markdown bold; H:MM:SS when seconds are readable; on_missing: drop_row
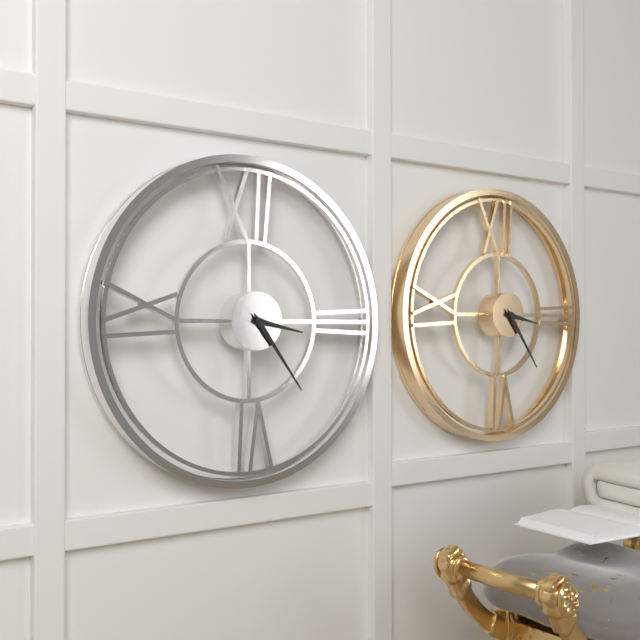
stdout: **3:24**
